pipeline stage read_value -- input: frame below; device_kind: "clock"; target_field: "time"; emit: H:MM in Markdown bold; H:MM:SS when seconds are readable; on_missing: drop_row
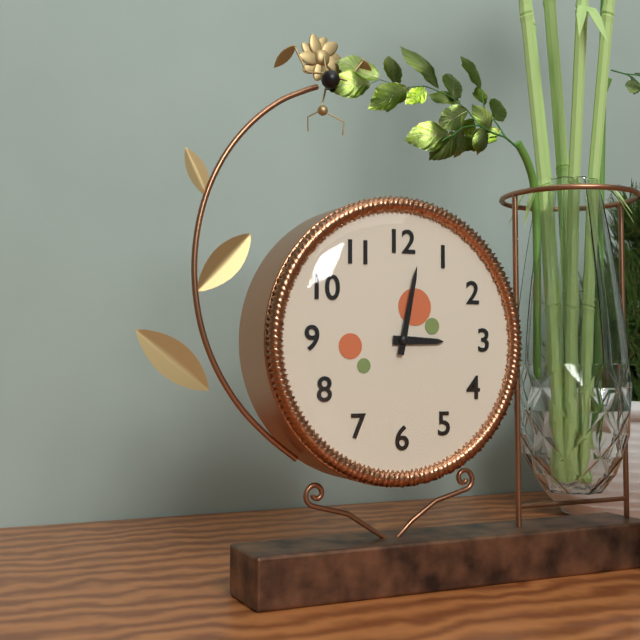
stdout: **3:02**
